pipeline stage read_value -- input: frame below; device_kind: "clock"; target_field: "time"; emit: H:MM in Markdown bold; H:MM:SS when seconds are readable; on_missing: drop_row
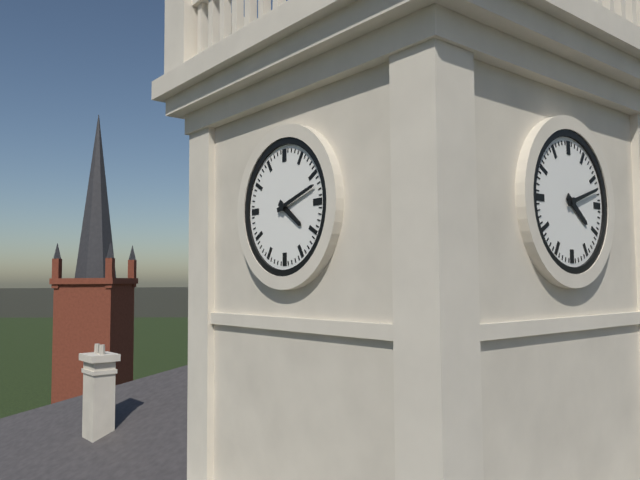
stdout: **4:12**
